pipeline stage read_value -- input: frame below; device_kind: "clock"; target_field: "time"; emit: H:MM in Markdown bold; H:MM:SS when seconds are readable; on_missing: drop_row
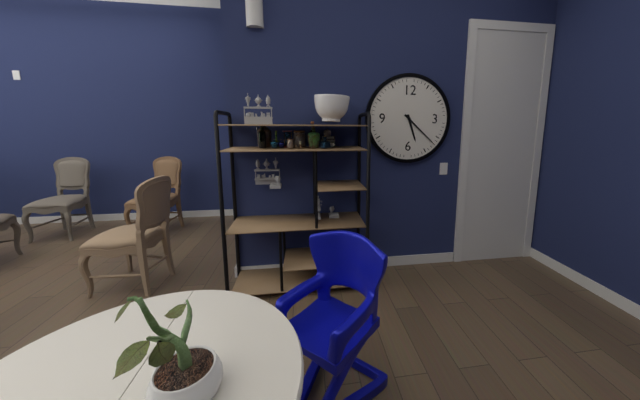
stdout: **5:22**
